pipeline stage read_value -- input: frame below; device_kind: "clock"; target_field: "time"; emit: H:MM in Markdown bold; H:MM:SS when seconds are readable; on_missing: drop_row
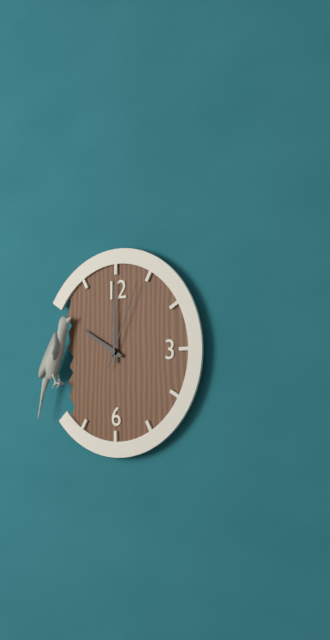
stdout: **10:00:04**
